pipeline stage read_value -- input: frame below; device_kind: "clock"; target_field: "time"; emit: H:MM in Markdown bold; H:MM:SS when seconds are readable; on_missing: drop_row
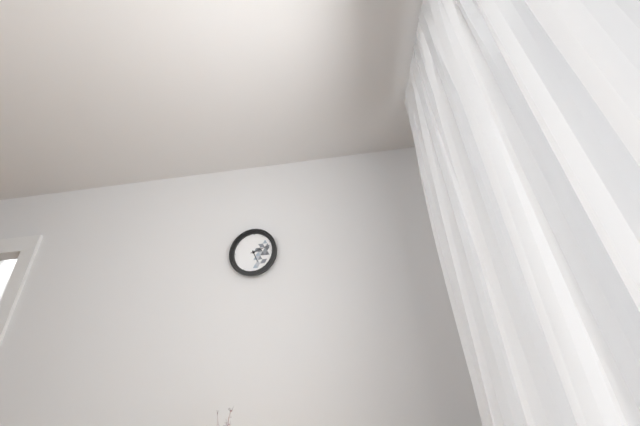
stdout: **5:12**
